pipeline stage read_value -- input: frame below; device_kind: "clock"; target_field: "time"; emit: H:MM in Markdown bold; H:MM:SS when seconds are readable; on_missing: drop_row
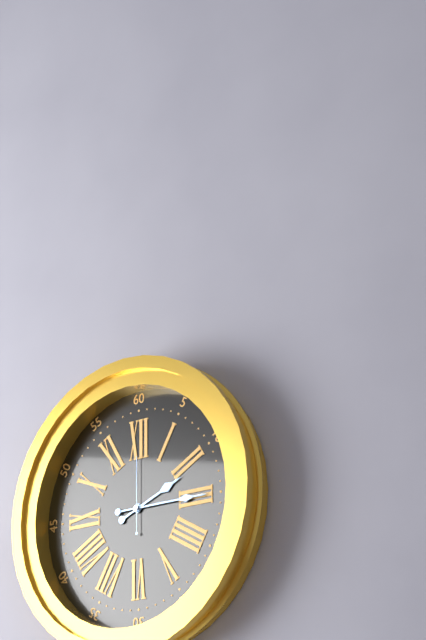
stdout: **2:15:00**
